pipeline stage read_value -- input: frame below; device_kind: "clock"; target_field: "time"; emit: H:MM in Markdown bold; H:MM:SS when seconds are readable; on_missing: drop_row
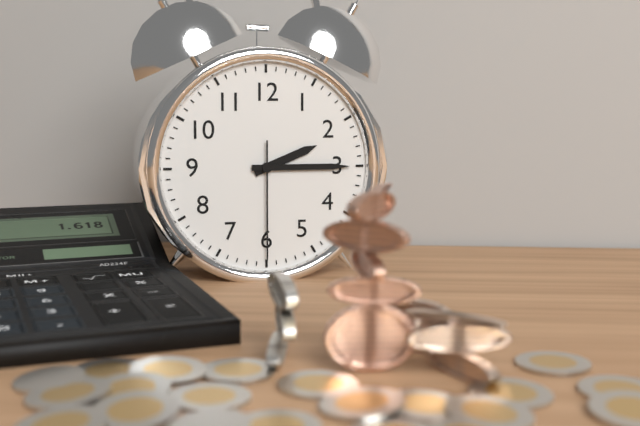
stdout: **2:15:30**
